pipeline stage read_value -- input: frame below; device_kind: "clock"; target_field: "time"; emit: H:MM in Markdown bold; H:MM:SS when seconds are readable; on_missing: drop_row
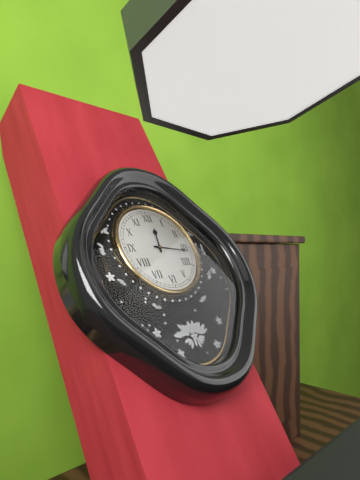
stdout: **12:16**
